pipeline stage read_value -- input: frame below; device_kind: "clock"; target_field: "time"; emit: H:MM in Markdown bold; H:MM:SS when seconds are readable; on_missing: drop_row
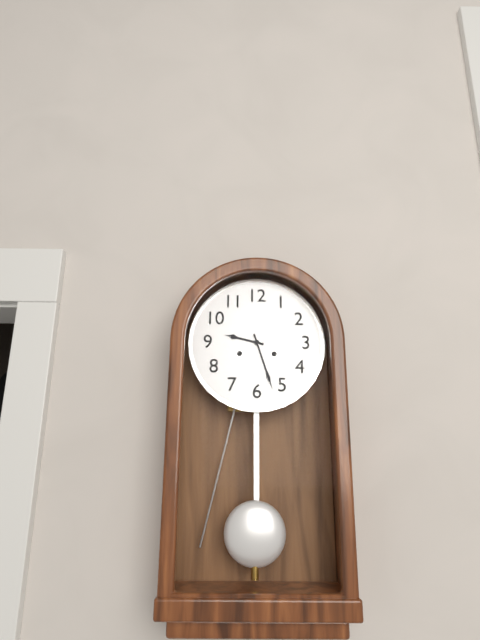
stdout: **9:27**
